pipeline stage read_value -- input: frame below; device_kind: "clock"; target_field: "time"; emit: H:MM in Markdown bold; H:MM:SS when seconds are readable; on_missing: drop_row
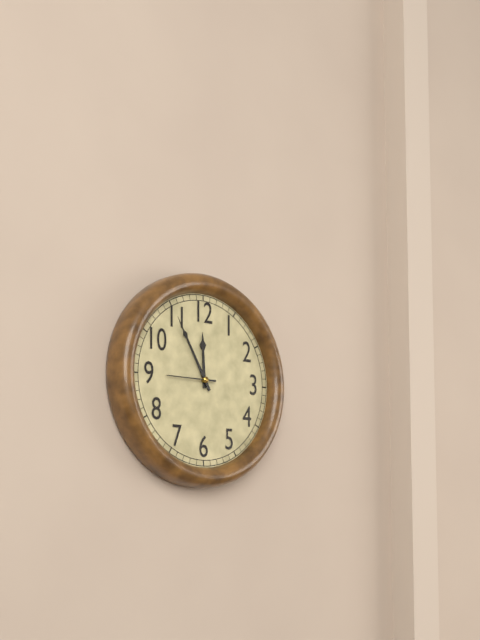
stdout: **11:55**
